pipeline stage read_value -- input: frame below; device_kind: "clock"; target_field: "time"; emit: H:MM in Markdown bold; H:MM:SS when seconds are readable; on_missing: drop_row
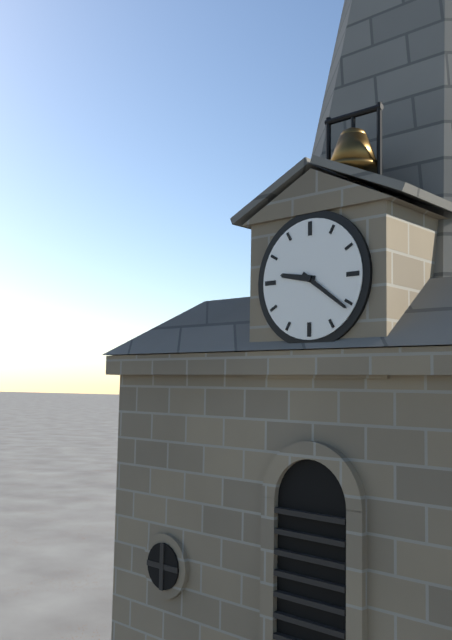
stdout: **9:21**
